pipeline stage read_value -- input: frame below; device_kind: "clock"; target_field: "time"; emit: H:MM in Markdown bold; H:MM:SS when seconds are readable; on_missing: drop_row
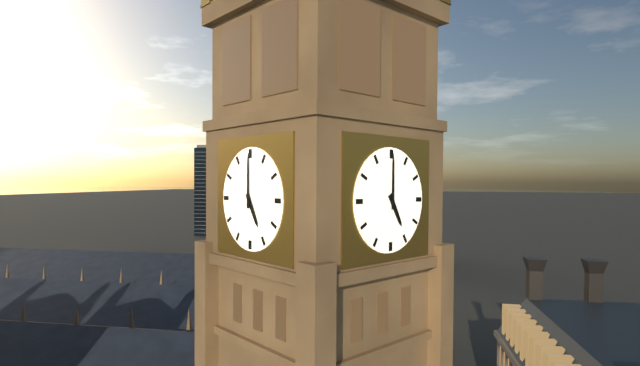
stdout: **5:00**
